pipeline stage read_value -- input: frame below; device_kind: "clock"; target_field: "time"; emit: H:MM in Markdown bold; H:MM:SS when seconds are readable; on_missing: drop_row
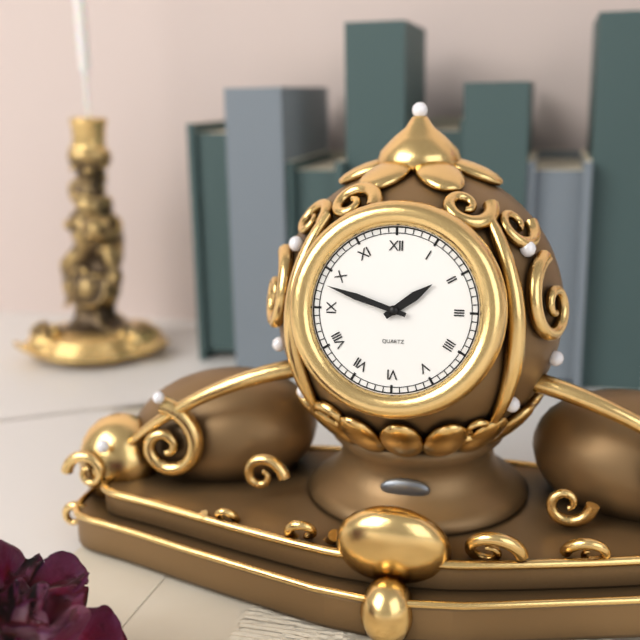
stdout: **1:48**
